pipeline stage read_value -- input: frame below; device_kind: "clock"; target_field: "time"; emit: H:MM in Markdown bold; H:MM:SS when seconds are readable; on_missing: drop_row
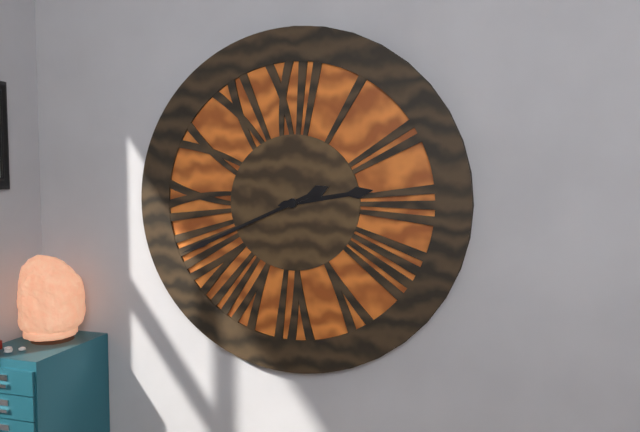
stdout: **2:41**
